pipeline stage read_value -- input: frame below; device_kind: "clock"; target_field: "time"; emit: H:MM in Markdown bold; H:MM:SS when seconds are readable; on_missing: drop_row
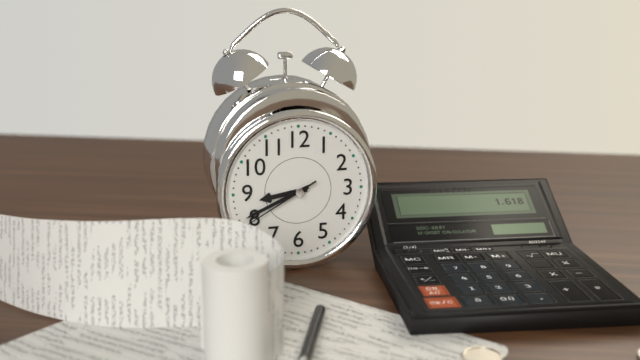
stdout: **8:41:40**
